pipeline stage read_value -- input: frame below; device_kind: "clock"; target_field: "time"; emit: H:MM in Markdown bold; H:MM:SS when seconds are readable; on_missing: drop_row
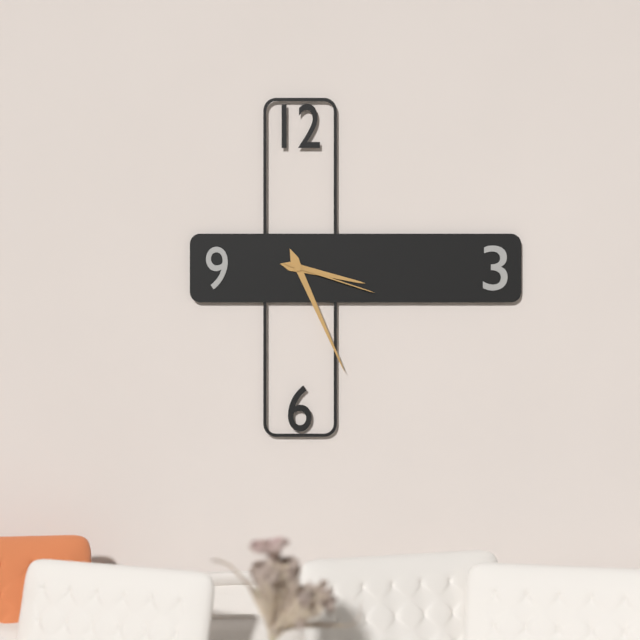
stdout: **3:26:18**
